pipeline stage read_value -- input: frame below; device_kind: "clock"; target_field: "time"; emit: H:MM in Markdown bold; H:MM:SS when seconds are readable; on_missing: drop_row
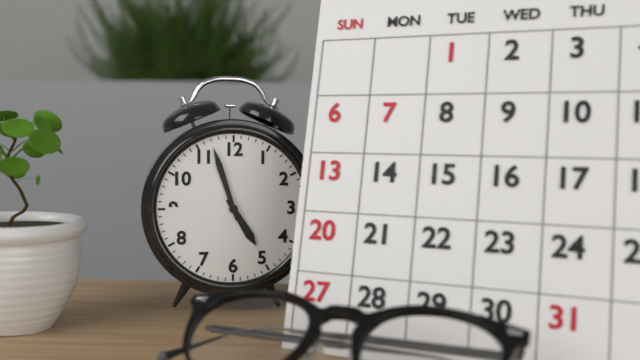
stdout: **4:57**
